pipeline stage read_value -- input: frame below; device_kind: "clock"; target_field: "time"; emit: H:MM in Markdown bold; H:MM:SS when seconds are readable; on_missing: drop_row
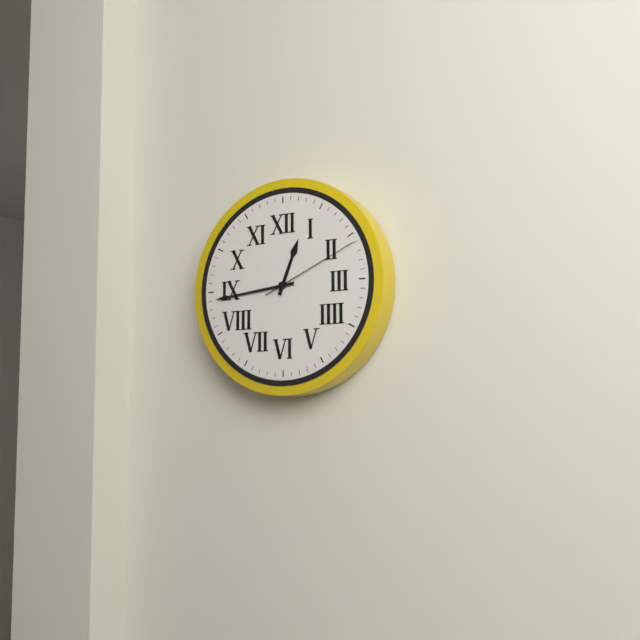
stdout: **12:44:11**
